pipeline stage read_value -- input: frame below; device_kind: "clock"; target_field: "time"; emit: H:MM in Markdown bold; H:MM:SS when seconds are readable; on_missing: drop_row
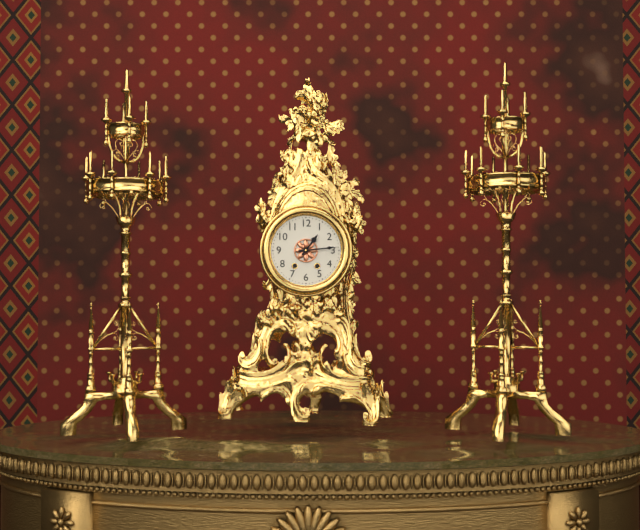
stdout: **1:14**
